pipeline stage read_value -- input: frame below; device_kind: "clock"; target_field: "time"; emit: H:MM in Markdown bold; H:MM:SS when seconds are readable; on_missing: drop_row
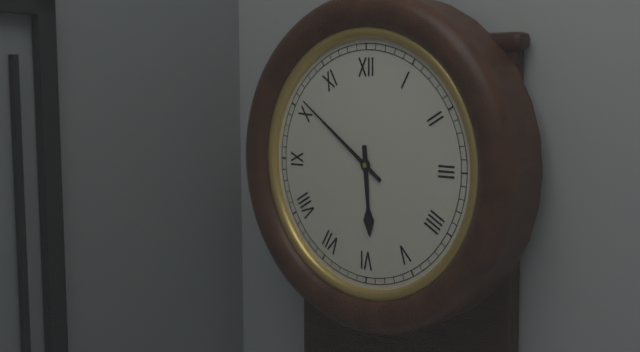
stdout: **5:51**
